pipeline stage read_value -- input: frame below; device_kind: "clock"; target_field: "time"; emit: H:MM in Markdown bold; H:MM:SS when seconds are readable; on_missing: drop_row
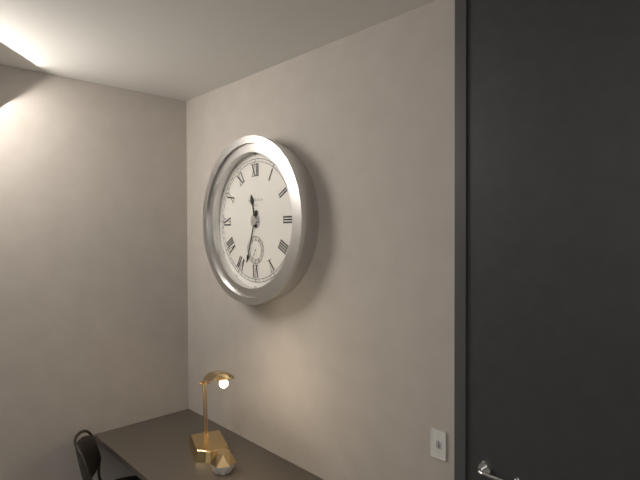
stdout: **11:33**
